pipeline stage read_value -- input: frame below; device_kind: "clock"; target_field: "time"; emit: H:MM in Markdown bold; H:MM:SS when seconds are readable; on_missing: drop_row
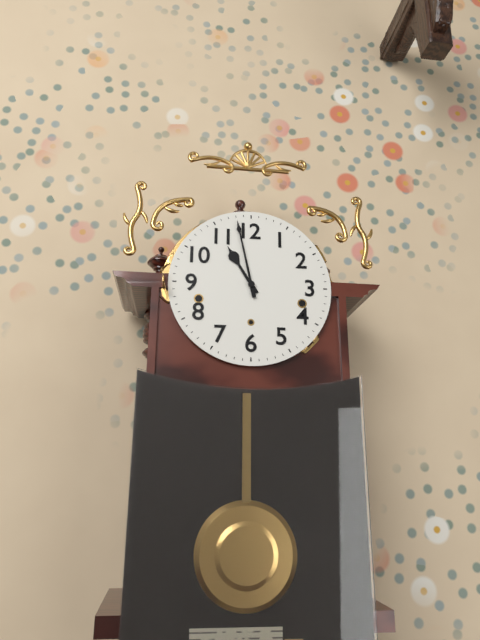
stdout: **10:58**
